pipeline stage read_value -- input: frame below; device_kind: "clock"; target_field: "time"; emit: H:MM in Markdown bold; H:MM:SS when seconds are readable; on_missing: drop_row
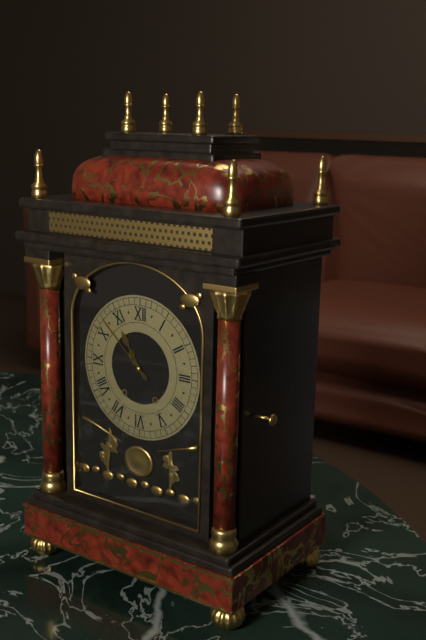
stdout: **10:52**
